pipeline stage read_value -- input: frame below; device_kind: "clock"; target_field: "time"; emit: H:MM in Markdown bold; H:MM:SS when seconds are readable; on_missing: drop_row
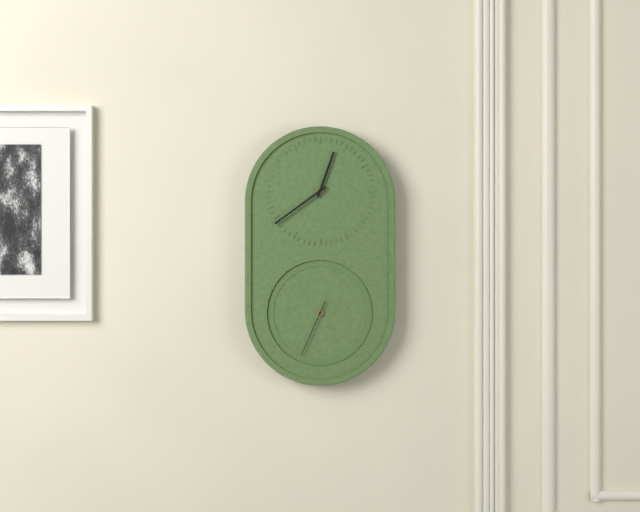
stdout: **12:39:34**
